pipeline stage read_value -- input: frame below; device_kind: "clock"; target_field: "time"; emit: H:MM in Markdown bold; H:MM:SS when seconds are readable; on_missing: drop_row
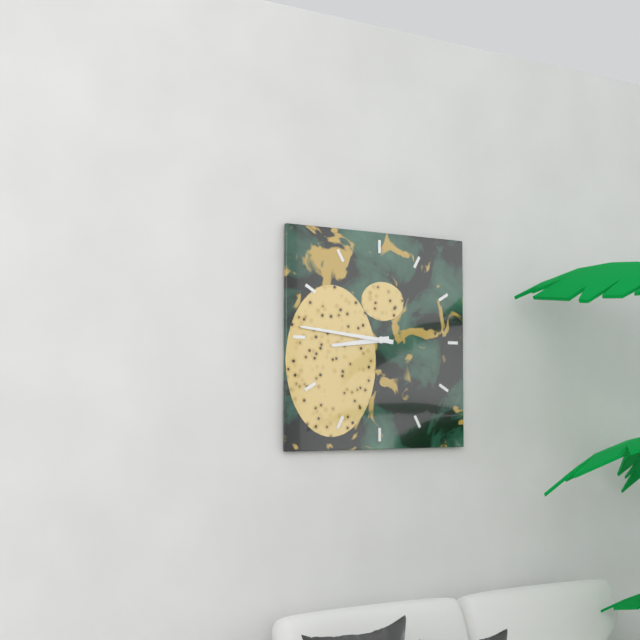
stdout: **8:46**
